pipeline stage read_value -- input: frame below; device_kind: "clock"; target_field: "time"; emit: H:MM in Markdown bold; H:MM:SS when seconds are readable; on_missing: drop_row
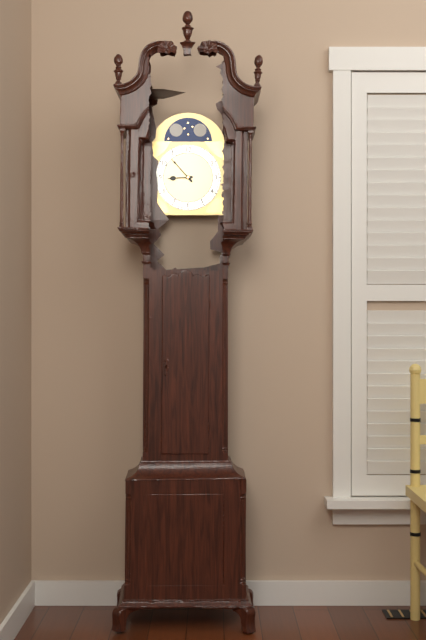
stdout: **8:53**
